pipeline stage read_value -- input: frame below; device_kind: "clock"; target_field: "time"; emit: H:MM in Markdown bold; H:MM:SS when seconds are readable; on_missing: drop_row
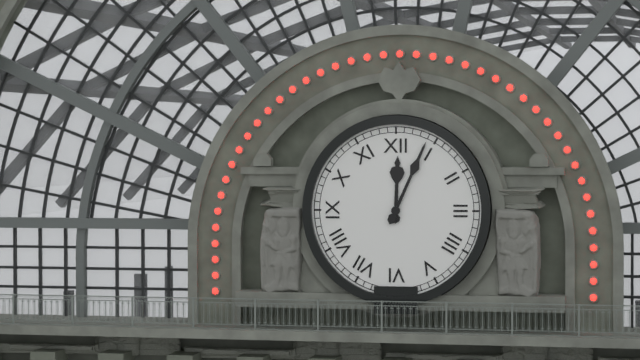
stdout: **12:04**
